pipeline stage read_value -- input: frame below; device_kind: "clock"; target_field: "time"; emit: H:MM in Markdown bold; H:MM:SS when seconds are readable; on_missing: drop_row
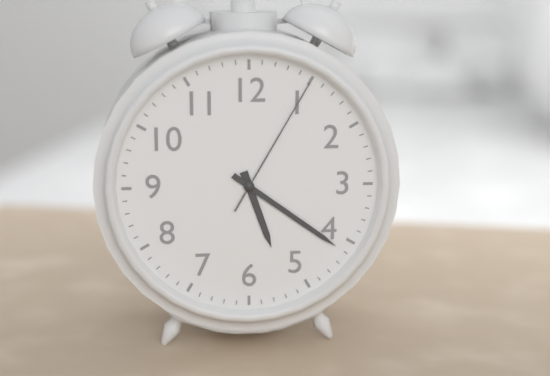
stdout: **5:21:05**
